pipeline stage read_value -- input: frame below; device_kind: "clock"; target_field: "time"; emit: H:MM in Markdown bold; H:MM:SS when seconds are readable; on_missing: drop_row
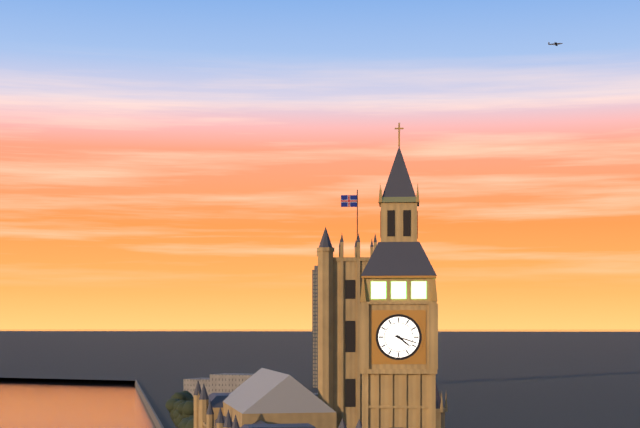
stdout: **4:18**
